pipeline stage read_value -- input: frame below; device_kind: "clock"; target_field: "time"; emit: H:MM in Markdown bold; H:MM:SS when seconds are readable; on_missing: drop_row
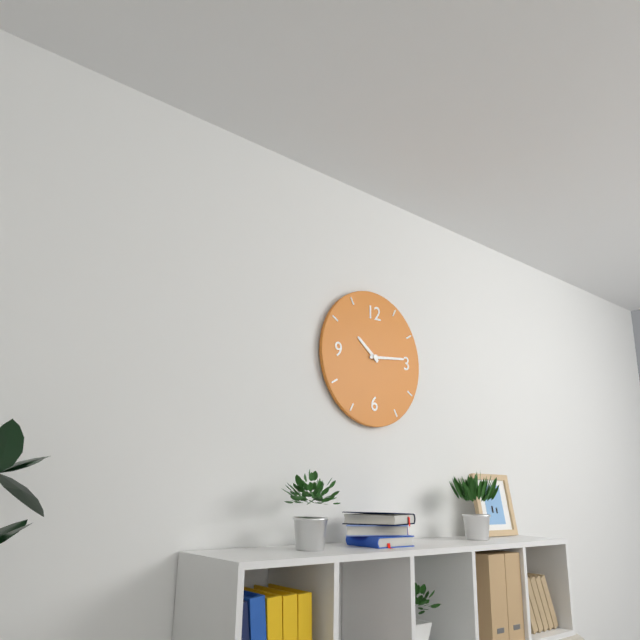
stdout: **10:14**
